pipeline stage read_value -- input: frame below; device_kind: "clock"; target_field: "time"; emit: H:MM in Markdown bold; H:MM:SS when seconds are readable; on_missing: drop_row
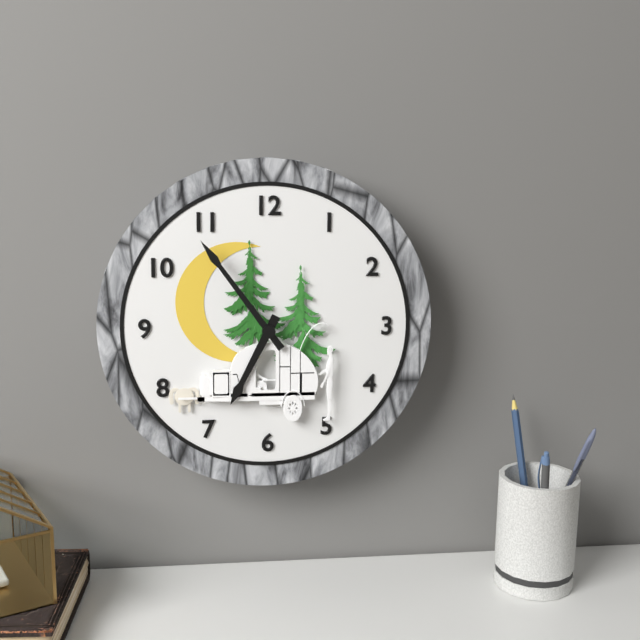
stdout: **6:54**
